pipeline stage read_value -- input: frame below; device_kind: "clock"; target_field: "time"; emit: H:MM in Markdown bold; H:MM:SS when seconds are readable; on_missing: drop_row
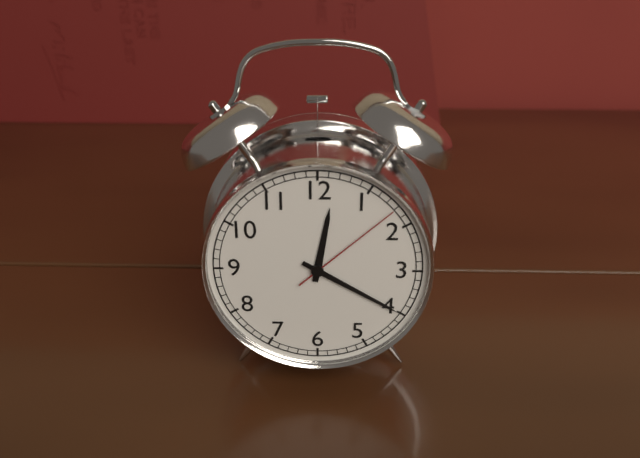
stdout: **12:20:08**
